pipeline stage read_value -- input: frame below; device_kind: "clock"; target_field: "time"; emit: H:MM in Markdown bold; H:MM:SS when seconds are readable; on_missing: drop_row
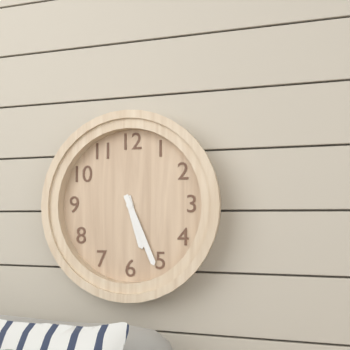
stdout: **5:26**
